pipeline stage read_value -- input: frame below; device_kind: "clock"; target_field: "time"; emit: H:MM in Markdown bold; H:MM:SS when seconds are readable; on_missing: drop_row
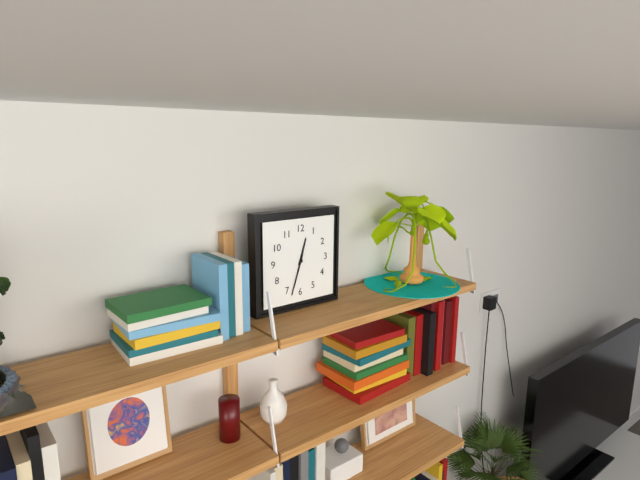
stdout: **12:33**
